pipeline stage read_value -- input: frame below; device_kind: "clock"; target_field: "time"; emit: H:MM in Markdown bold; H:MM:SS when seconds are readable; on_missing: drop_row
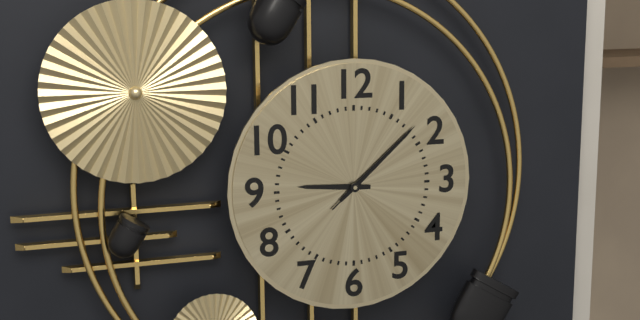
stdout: **9:08:08**
